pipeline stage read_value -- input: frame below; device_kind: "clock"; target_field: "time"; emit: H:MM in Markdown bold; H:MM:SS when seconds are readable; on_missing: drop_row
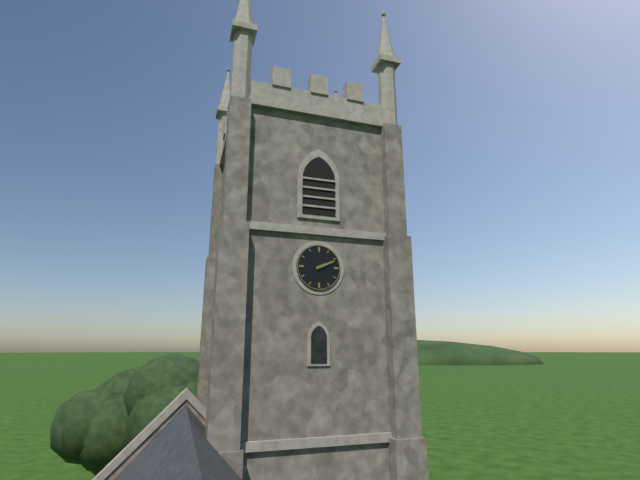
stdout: **2:11**
